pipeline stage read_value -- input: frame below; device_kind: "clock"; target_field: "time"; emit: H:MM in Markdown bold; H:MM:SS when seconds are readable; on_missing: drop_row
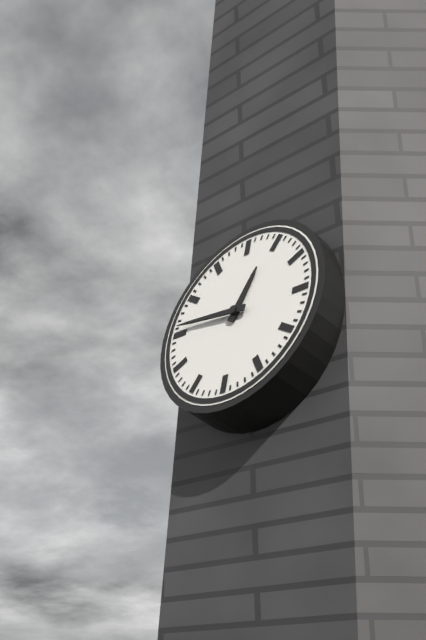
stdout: **12:46**
